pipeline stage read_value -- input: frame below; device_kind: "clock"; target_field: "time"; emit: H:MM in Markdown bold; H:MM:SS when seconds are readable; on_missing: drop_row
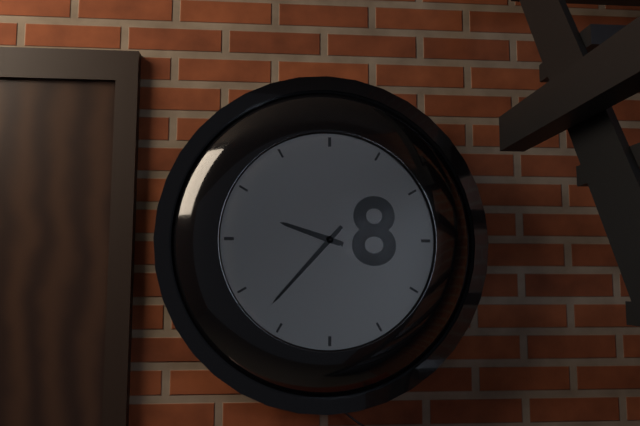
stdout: **9:37**
